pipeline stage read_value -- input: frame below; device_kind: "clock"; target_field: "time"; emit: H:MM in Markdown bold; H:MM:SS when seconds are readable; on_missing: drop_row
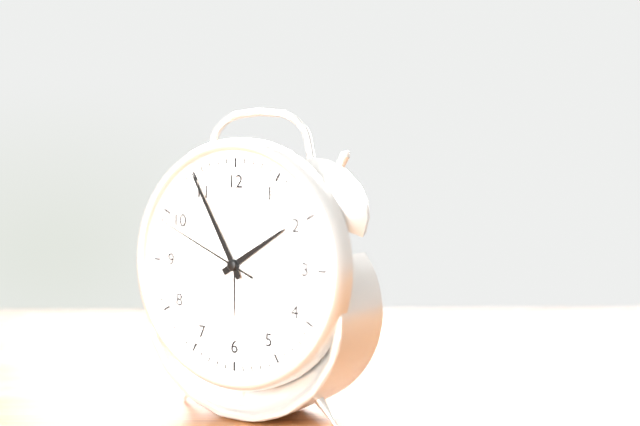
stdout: **1:55:49**
